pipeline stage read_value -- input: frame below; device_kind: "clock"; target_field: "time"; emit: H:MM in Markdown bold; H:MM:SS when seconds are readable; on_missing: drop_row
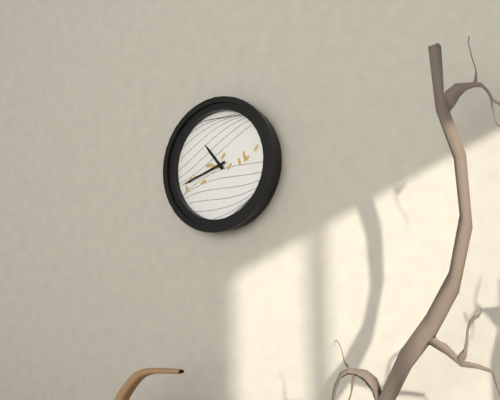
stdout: **10:42**
